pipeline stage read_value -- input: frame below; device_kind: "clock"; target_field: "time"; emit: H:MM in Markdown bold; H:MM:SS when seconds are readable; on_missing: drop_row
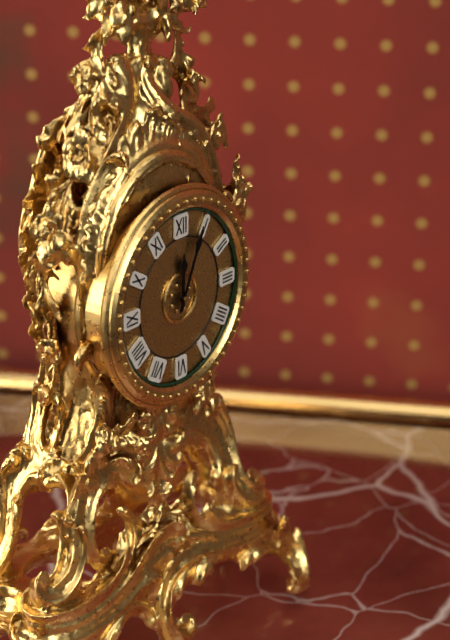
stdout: **12:04**
